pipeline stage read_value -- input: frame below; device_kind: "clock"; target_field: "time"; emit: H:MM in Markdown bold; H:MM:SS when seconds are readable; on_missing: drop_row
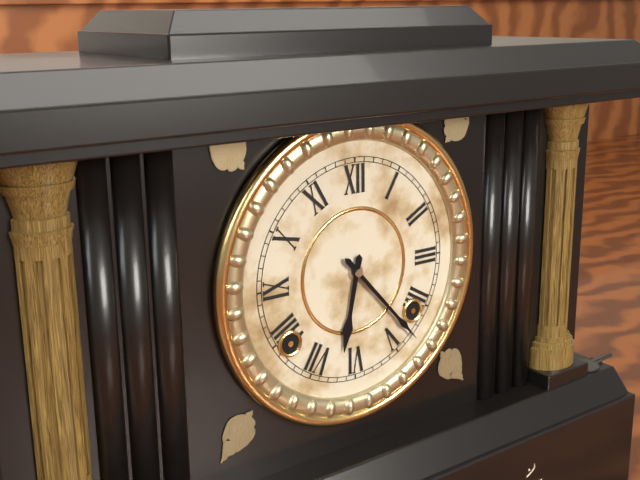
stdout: **6:23**
